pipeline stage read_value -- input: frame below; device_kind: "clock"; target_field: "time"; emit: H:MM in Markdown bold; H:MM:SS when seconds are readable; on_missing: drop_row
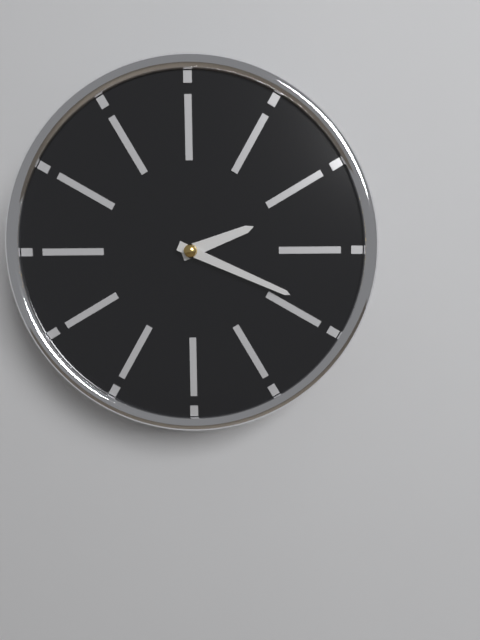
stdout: **2:19**
